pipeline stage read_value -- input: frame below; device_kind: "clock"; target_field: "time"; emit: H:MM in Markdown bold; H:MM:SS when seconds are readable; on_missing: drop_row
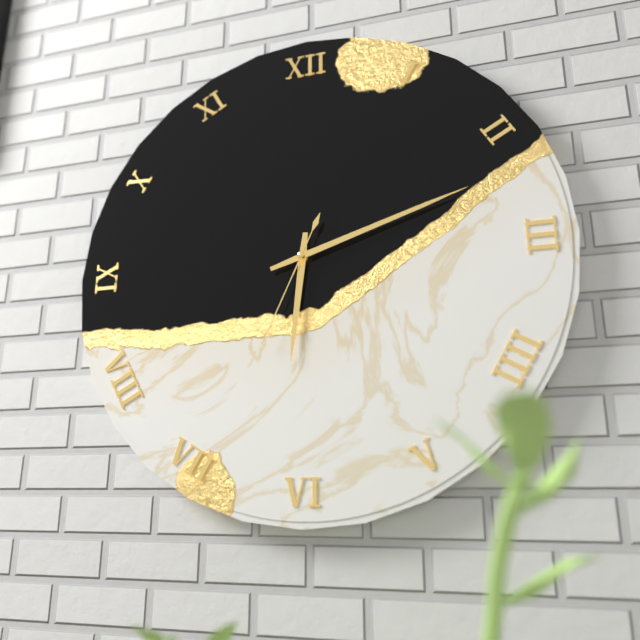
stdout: **6:12:34**
